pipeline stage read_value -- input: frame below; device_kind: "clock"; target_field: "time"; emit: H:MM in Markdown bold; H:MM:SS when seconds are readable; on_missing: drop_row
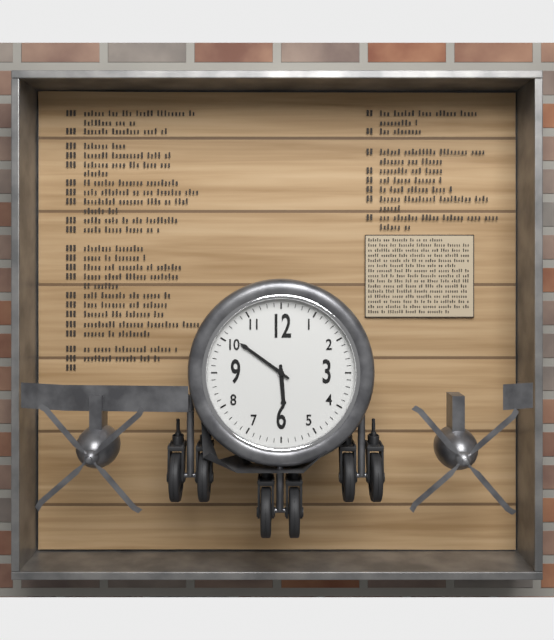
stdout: **5:51**
